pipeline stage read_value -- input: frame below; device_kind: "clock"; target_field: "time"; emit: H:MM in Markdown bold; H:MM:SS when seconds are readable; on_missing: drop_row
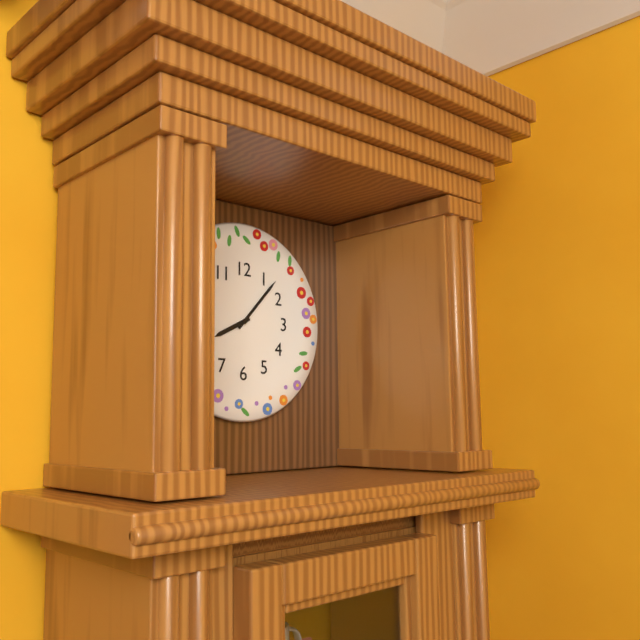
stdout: **8:07**
